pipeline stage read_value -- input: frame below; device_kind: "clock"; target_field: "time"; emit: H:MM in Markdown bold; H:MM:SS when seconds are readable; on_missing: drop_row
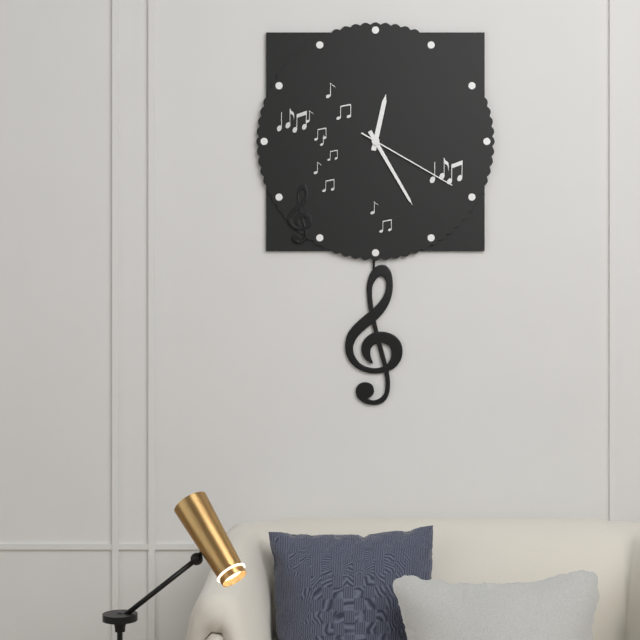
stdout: **12:25:20**
